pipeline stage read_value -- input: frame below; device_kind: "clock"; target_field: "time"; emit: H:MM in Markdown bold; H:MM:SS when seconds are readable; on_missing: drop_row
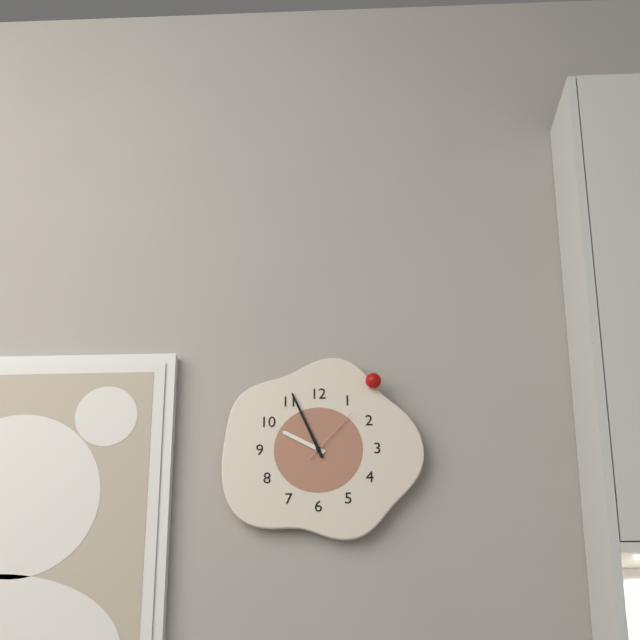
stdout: **9:56:07**
